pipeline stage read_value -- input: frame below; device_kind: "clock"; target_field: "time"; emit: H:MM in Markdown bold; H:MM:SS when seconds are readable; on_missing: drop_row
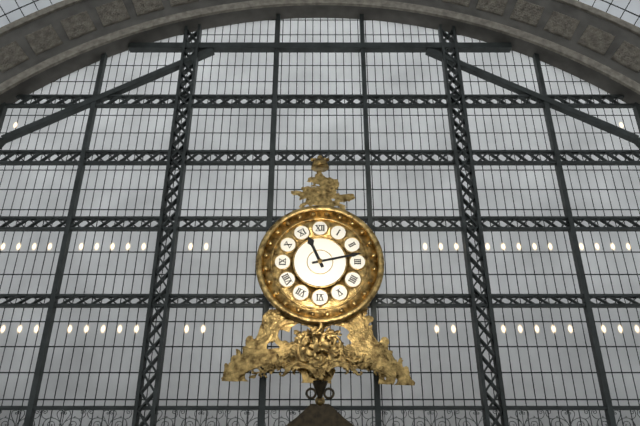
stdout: **11:13**
